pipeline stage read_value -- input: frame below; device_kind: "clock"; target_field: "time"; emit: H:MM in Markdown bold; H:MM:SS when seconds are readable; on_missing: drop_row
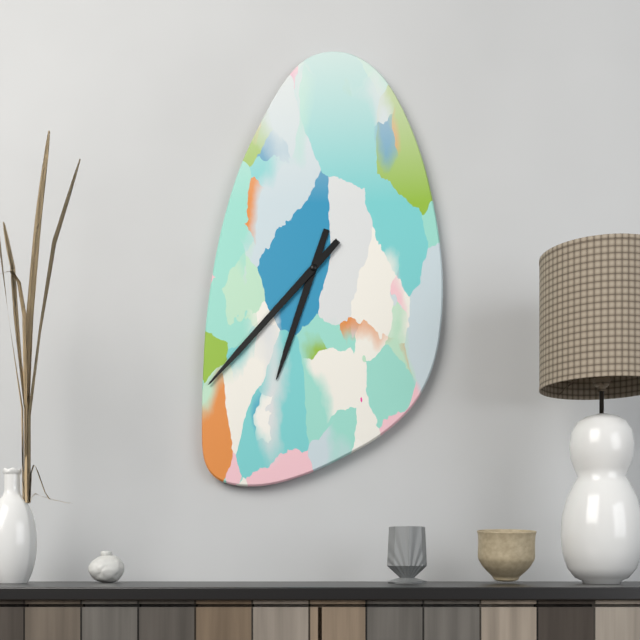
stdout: **6:37**
